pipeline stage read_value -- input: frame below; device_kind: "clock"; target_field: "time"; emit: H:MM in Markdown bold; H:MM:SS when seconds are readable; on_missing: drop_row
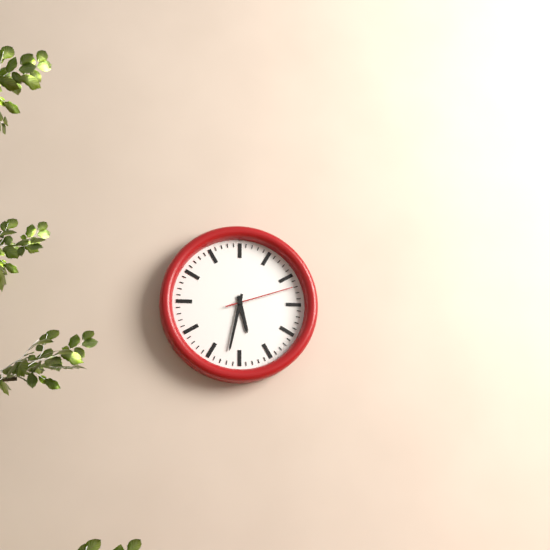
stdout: **5:32:12**
